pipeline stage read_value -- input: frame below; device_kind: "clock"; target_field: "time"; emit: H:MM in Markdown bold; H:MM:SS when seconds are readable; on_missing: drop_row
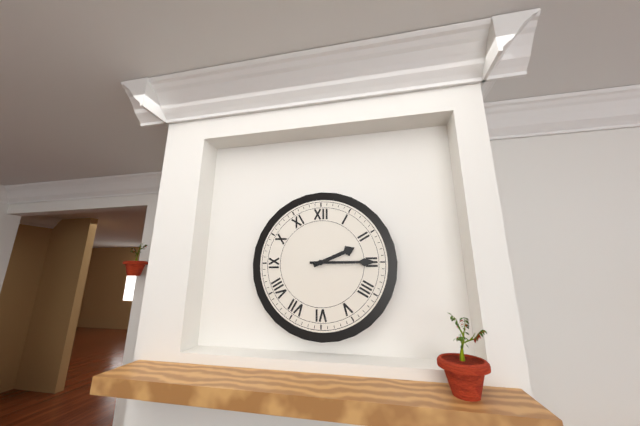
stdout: **2:15**
